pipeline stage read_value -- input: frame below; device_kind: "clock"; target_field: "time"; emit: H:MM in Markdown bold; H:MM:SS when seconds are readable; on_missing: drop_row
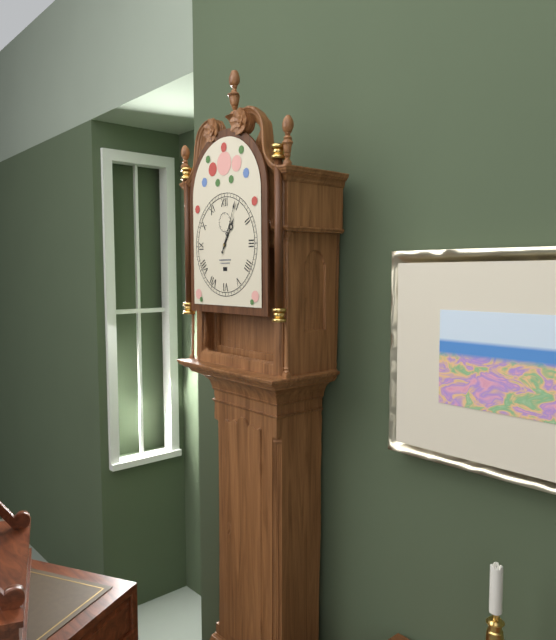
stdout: **1:04**
